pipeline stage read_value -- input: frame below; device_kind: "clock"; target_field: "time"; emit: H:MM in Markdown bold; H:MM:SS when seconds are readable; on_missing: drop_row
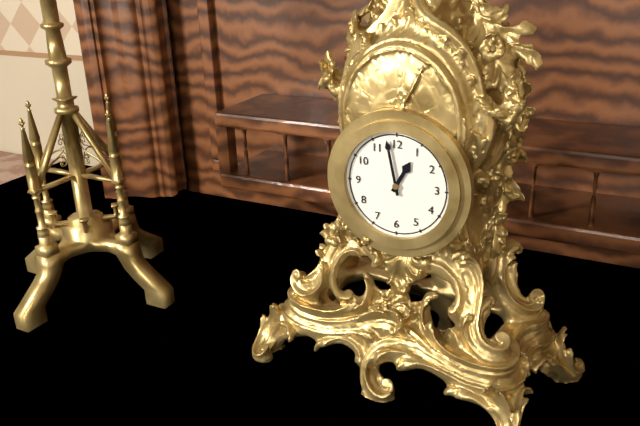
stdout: **12:58**
